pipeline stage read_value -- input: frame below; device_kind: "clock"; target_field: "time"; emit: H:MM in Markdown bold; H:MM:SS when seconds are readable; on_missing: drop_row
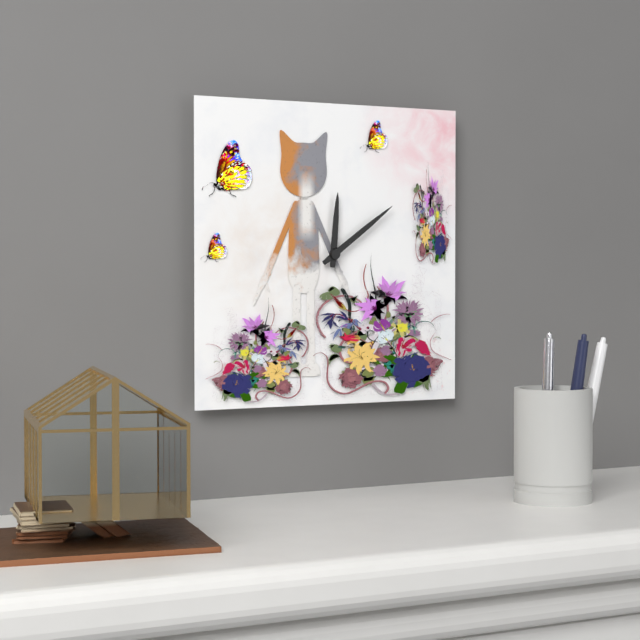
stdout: **12:09**
